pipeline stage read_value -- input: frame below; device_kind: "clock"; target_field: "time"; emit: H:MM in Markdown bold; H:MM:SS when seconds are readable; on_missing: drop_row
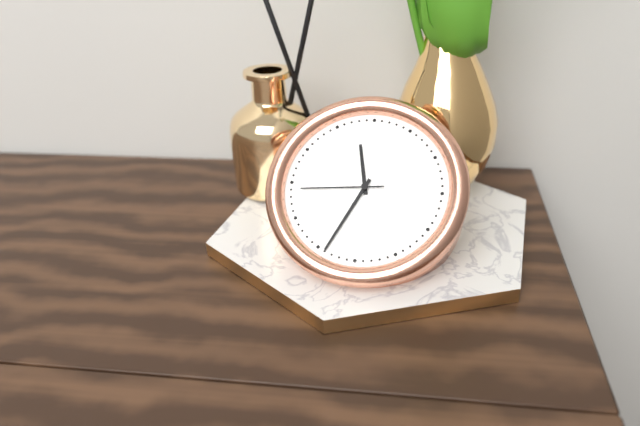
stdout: **11:34:44**
